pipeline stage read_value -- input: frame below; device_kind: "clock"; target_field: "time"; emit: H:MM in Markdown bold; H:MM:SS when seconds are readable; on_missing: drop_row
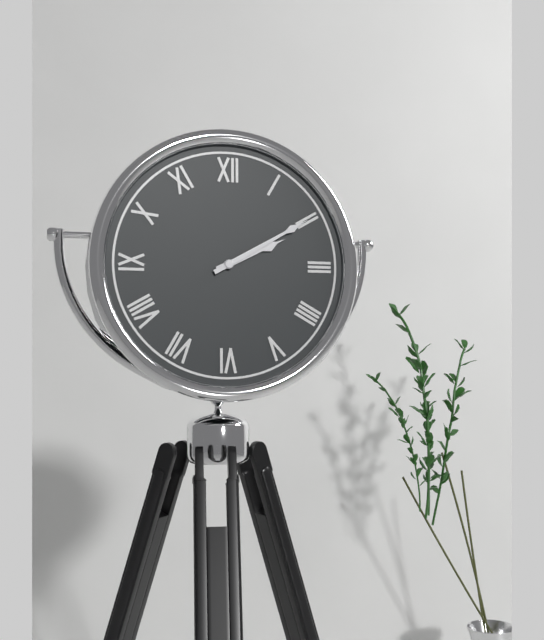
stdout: **2:10**
